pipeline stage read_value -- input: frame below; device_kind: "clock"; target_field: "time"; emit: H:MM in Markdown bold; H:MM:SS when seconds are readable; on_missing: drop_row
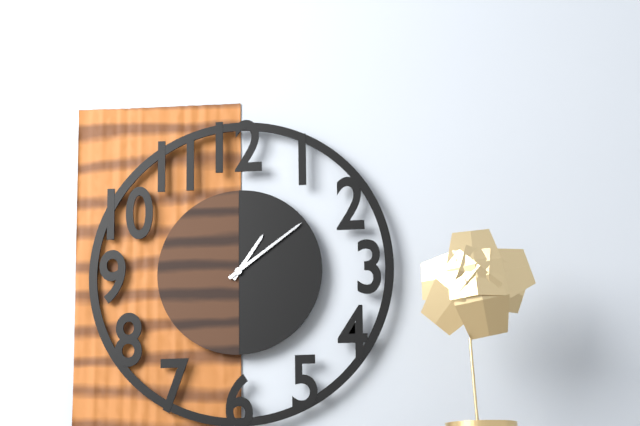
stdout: **1:09**
